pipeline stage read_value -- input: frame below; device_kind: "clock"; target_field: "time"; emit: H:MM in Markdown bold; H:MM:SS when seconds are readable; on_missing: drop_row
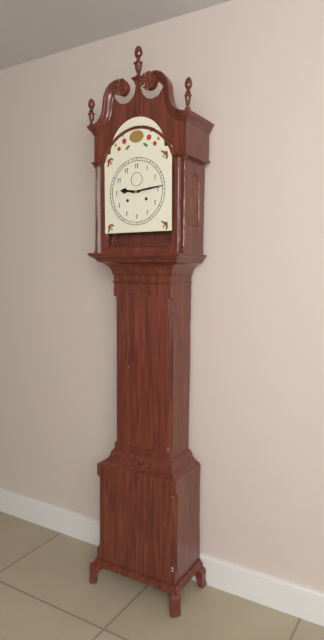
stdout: **9:14**
